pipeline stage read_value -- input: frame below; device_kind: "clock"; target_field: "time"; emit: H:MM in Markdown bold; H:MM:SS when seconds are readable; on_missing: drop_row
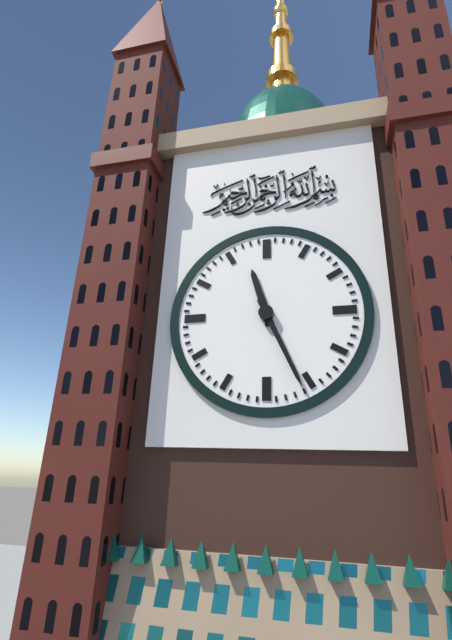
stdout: **11:26**
